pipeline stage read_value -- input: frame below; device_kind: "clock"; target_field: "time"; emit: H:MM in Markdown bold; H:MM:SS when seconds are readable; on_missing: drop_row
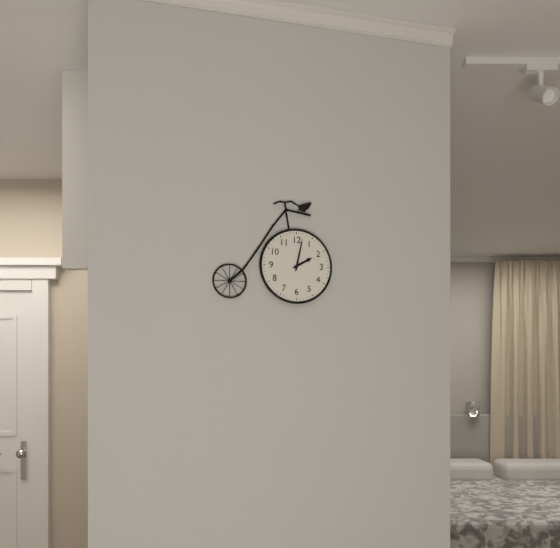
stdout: **2:02**
